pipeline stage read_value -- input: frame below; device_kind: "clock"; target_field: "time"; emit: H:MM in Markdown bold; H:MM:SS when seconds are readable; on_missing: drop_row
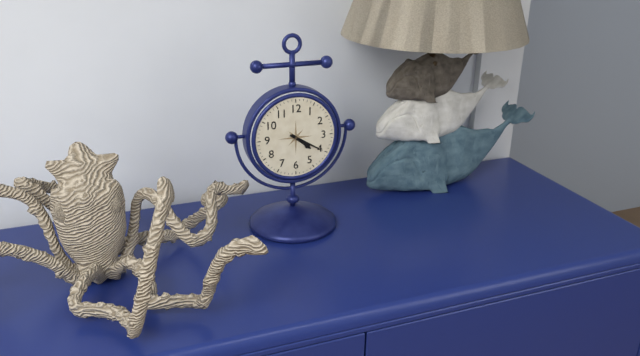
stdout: **4:20**
